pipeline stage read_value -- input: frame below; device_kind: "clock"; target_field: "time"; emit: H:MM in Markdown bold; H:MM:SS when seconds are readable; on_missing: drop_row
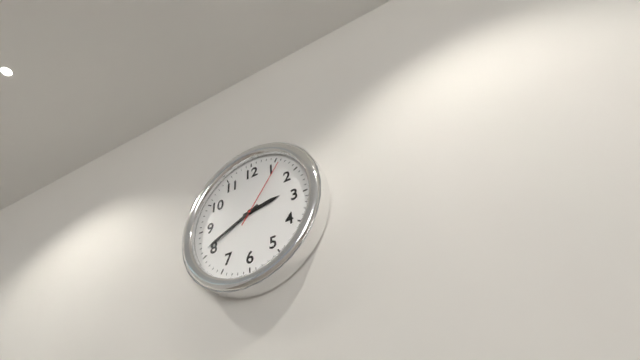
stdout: **2:41:06**
